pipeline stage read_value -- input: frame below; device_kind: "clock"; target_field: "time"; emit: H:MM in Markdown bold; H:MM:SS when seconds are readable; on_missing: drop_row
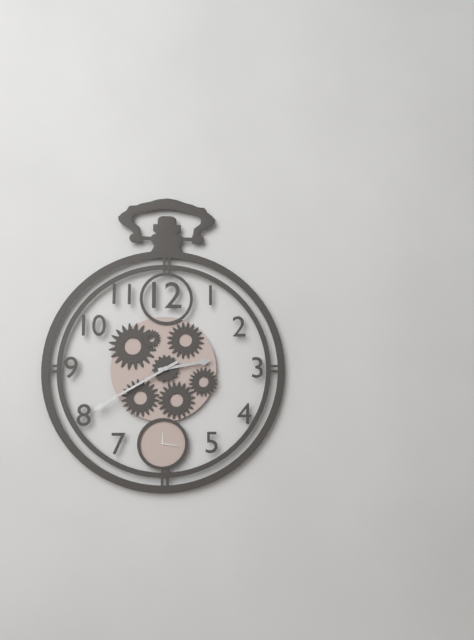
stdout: **2:40**
